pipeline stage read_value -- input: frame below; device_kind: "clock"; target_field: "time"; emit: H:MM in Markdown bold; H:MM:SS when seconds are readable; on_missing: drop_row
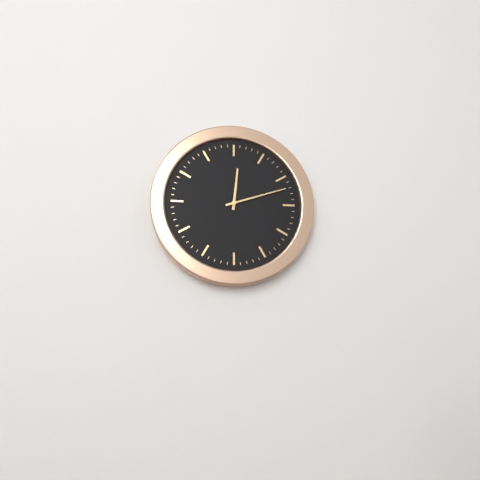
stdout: **12:12**
